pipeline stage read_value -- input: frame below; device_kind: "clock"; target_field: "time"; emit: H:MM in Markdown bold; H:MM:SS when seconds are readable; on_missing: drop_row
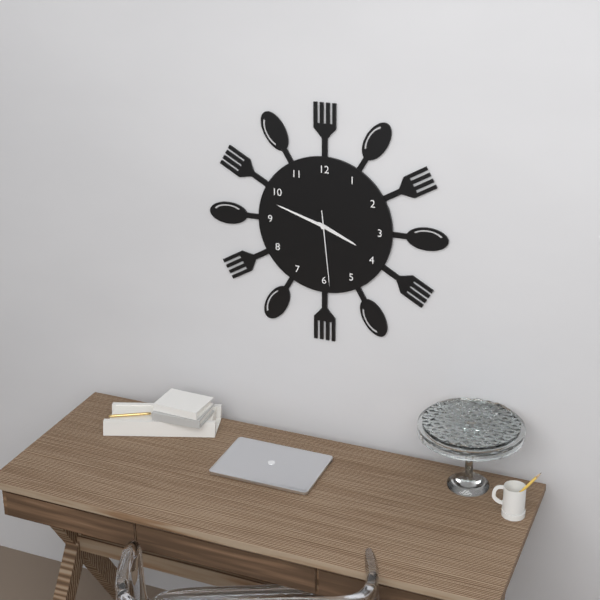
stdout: **3:48:29**
